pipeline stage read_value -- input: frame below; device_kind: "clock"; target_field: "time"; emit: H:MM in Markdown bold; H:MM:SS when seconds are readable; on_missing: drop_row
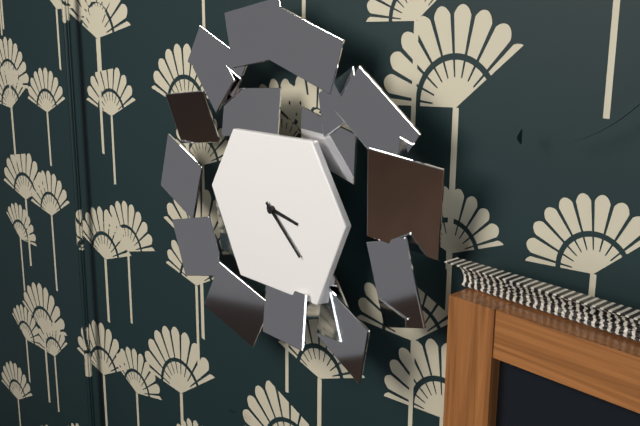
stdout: **3:22**
